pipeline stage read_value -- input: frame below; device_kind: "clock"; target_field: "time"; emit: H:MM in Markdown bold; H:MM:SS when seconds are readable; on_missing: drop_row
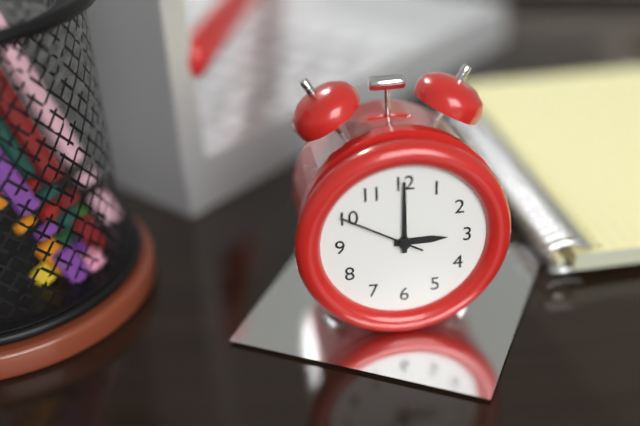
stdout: **3:00:50**
